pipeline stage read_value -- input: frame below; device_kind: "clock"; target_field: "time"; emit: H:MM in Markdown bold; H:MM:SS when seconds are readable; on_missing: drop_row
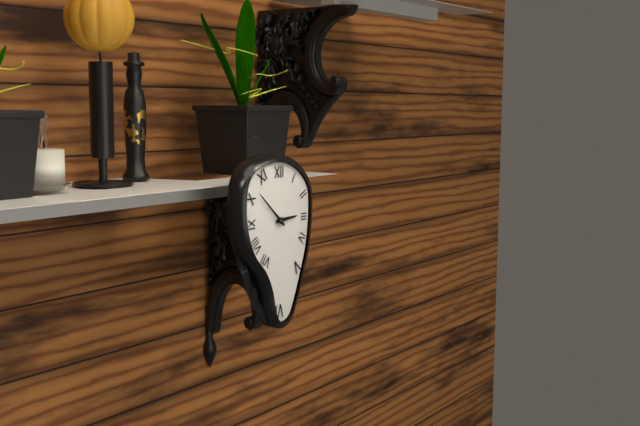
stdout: **2:52**
